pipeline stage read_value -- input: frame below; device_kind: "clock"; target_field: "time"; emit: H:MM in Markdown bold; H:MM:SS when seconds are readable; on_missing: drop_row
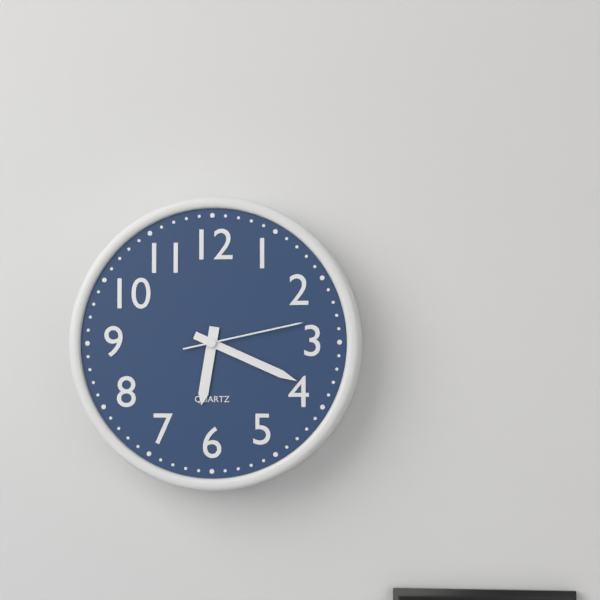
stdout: **6:19:13**
